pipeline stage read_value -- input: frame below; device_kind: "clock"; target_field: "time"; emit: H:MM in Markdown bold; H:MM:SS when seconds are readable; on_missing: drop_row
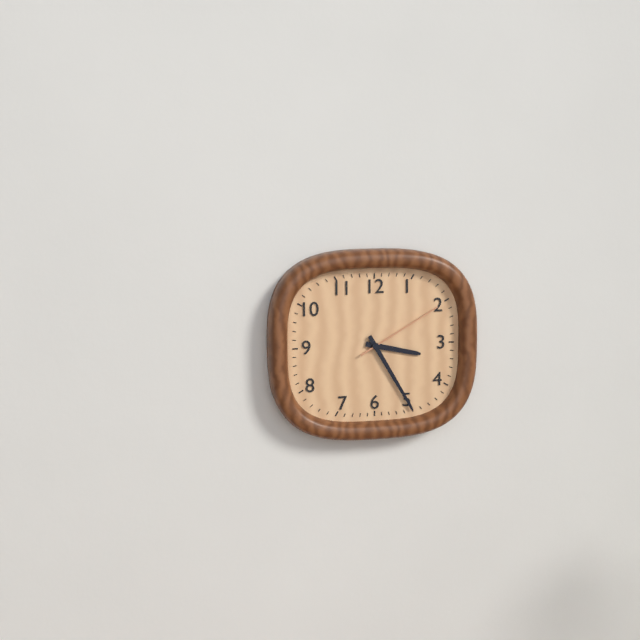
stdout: **3:25:10**
